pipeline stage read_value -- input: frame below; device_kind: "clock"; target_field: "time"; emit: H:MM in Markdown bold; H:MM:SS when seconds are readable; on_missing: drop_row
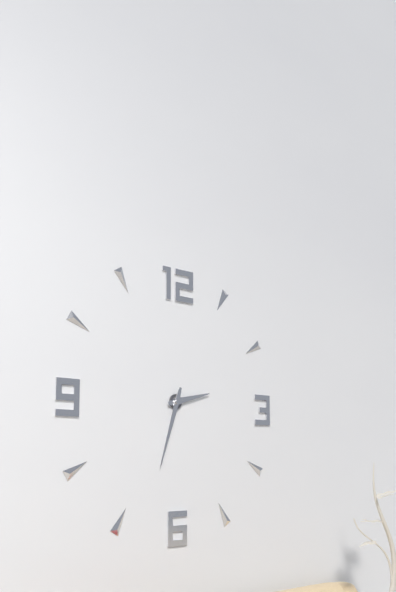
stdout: **2:33**
